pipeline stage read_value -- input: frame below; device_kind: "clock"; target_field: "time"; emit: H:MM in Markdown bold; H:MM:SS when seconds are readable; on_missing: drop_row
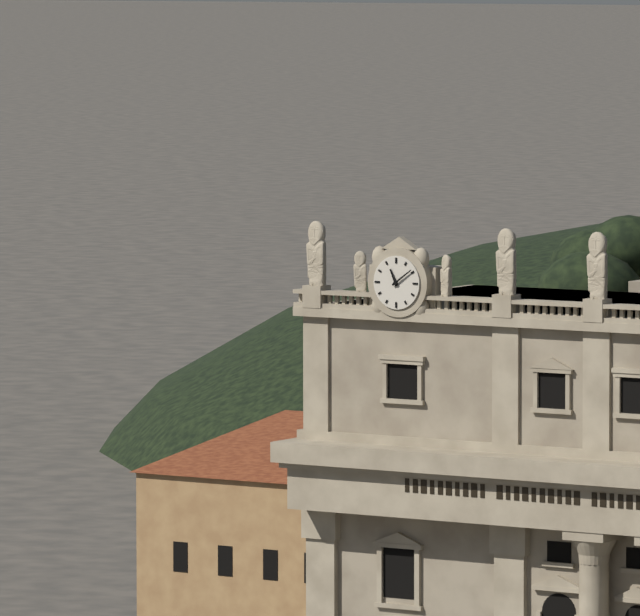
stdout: **11:09**
